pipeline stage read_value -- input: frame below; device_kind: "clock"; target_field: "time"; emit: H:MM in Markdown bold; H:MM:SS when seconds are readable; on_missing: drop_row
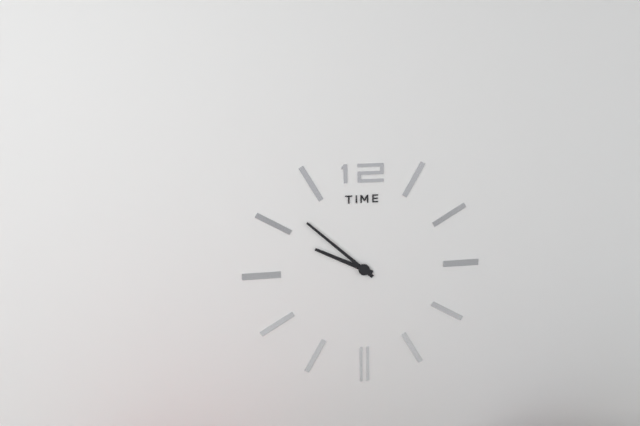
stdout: **9:52**
